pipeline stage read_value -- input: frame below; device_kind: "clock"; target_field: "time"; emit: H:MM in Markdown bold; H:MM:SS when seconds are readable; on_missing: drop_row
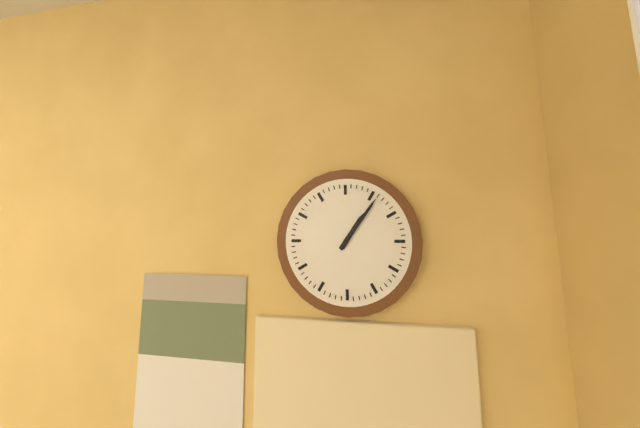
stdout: **1:06**
